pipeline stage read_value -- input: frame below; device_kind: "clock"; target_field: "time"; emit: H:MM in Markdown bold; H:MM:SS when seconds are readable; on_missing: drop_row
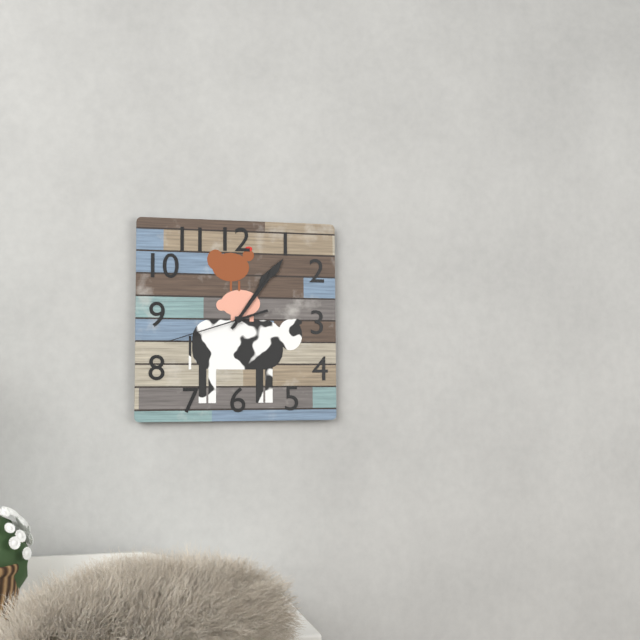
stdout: **1:06:42**
